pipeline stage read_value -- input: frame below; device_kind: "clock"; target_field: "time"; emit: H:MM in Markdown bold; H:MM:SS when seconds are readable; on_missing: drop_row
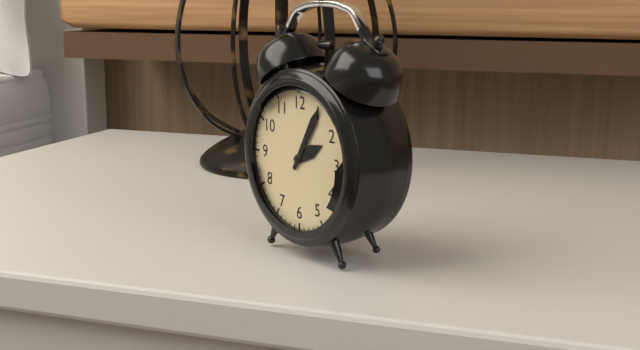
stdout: **2:05**
